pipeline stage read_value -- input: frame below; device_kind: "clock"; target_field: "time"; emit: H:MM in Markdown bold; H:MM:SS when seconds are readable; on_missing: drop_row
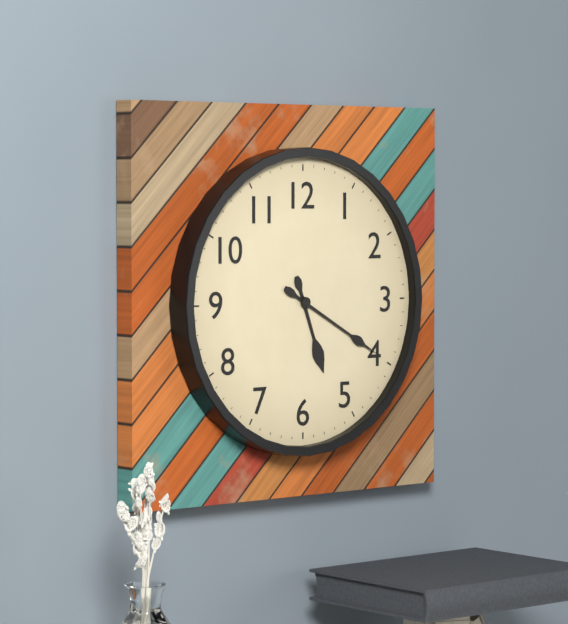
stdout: **5:20**
